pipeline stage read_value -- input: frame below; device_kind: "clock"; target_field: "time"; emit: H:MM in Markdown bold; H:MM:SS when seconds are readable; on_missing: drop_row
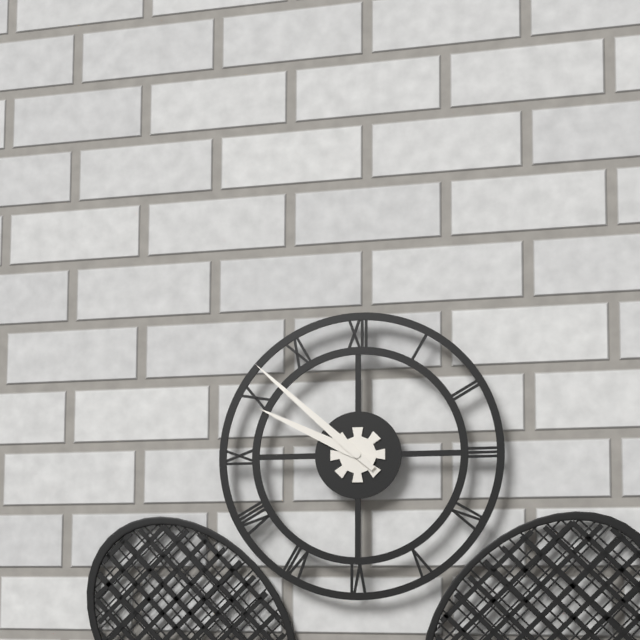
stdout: **9:52**
